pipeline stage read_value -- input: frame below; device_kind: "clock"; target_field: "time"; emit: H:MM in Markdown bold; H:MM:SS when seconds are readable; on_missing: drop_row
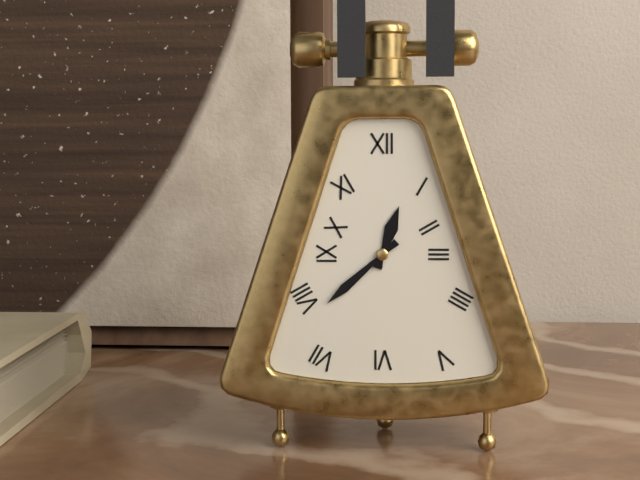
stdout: **12:38**
